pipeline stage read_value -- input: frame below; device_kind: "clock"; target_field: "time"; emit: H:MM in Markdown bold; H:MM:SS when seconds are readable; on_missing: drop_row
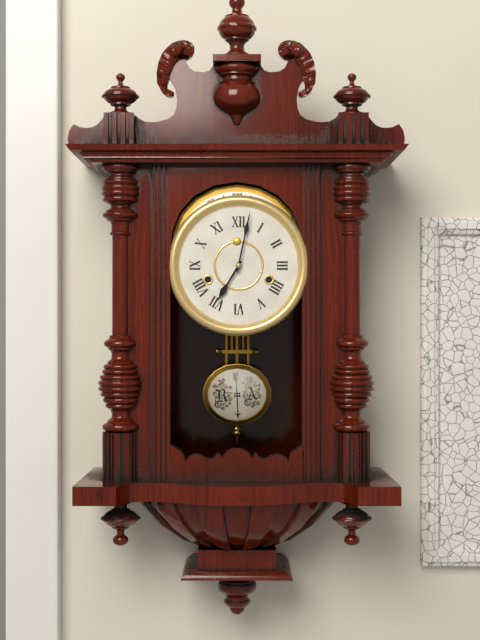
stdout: **7:02**
